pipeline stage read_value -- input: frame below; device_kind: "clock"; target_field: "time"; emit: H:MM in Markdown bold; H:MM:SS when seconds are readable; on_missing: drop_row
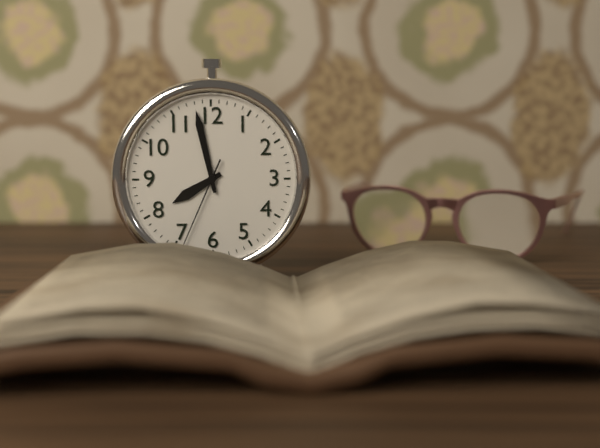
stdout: **7:58:34**
